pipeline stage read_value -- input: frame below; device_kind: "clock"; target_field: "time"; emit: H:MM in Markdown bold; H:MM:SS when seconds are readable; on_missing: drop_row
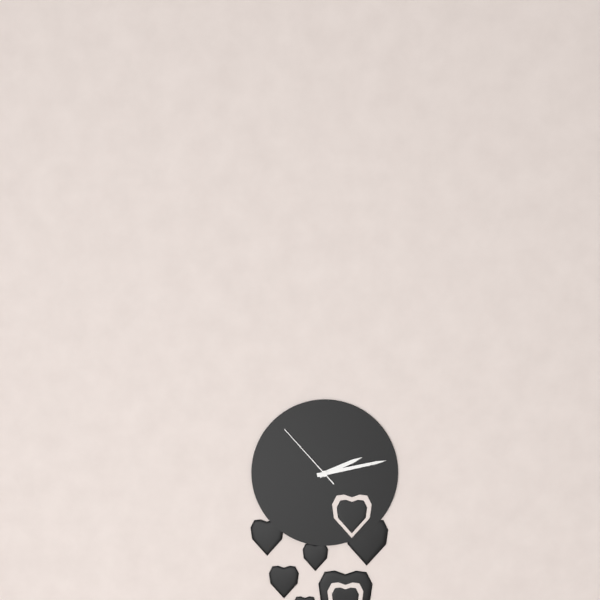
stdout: **2:13:53**
